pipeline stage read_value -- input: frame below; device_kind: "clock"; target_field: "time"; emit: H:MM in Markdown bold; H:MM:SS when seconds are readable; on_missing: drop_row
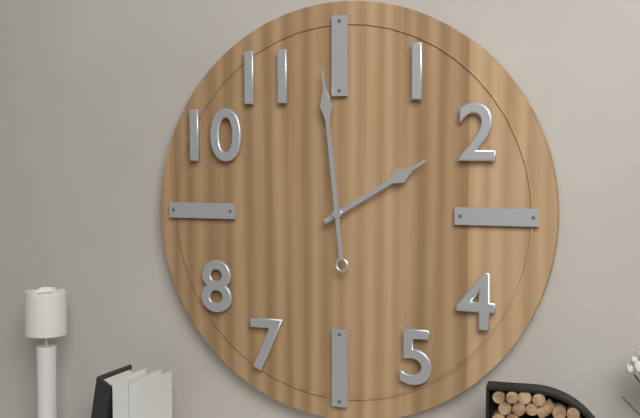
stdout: **1:59**
